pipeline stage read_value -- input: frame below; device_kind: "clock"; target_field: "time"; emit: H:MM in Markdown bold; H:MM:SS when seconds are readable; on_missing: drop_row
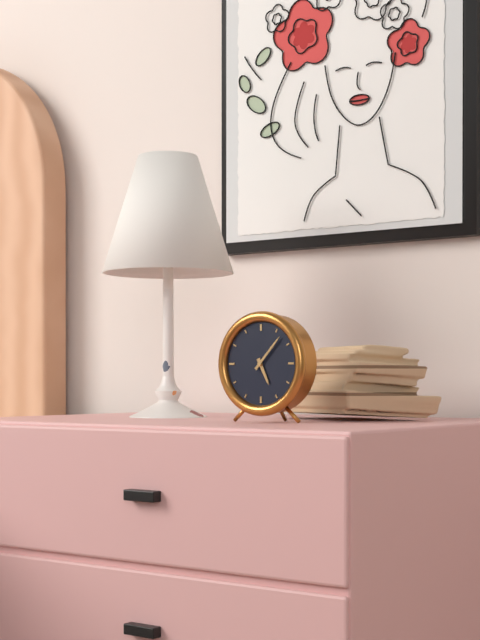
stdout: **5:07**
